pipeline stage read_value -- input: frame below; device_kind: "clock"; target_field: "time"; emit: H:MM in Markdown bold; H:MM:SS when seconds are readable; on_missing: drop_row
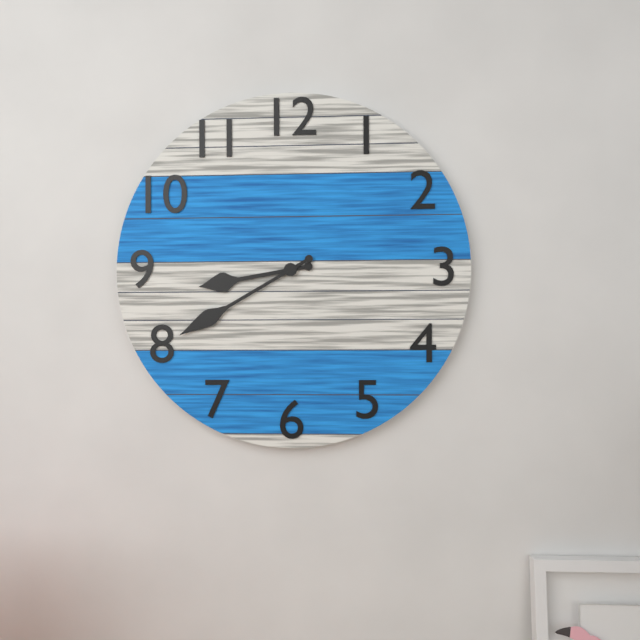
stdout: **8:40**
